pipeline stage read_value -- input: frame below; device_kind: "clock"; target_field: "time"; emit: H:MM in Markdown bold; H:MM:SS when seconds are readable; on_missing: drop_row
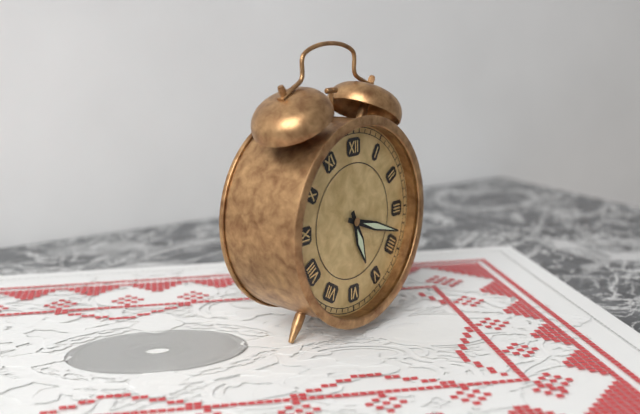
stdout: **5:18**
